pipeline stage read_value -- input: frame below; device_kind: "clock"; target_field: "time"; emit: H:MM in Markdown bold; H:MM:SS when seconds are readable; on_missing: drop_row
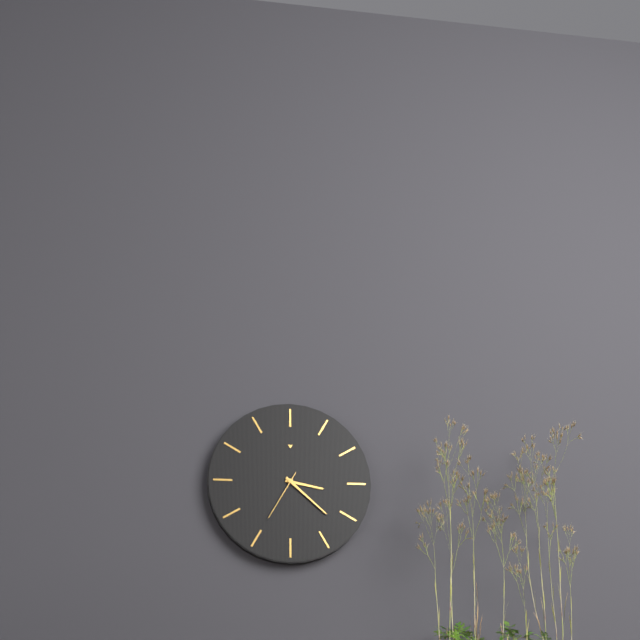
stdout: **3:22:35**
